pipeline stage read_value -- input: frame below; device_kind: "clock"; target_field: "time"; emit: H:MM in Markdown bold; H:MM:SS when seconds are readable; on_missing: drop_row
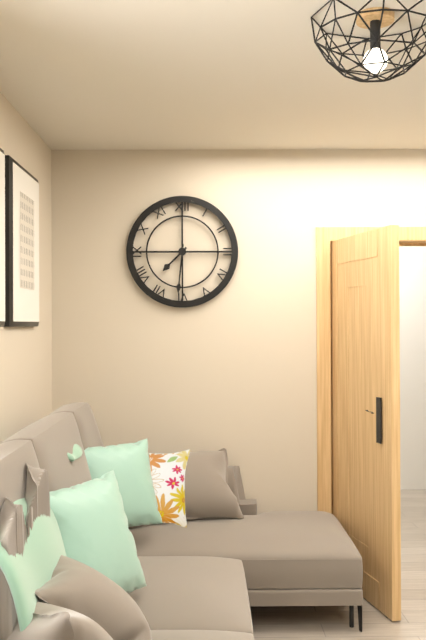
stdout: **7:31**
